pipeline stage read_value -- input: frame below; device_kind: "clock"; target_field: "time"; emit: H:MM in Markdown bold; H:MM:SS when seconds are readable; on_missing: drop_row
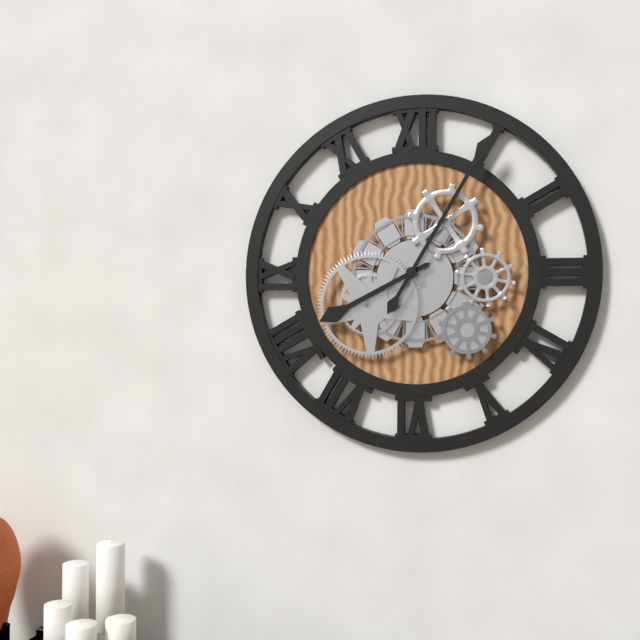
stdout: **8:05**
